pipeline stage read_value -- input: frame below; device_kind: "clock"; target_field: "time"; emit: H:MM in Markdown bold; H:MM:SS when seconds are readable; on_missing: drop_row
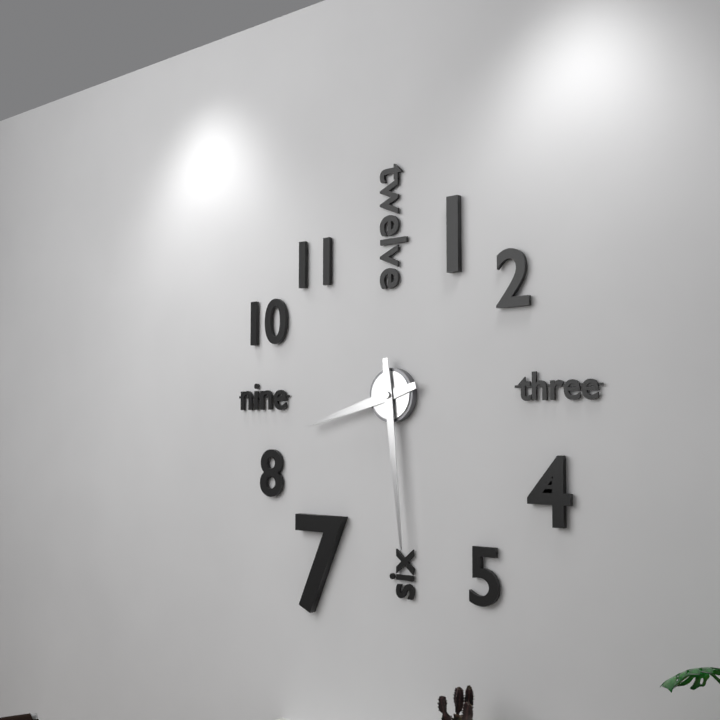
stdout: **8:29**
